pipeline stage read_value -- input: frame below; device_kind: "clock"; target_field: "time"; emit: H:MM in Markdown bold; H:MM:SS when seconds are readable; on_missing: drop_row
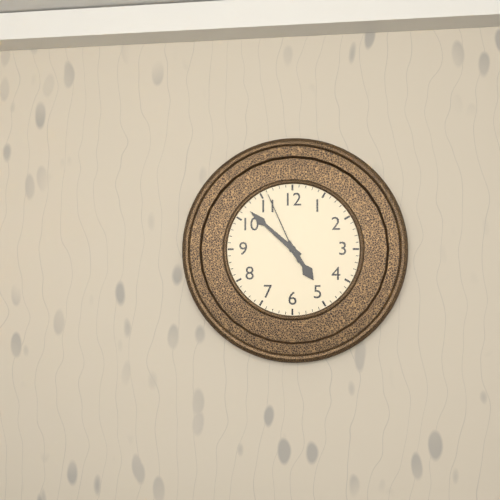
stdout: **4:52:56**
